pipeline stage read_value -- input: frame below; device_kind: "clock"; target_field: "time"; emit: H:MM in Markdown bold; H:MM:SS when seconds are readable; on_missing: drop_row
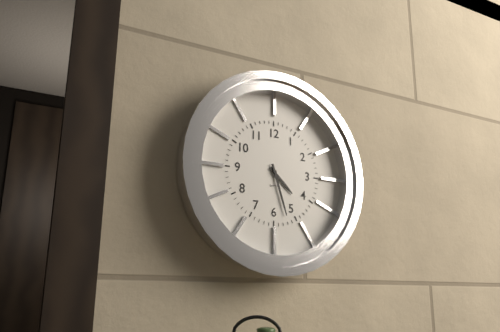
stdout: **4:27**
